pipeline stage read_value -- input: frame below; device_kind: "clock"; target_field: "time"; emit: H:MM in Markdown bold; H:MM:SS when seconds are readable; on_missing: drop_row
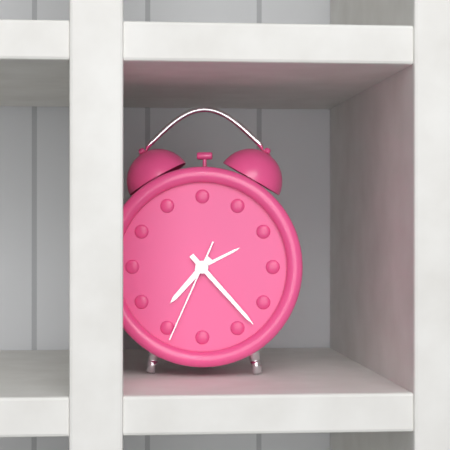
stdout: **7:23:34**
